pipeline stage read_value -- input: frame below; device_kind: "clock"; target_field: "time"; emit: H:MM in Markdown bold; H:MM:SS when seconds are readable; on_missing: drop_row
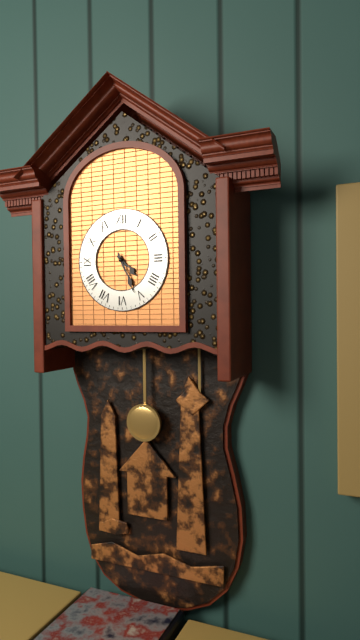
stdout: **4:26**
